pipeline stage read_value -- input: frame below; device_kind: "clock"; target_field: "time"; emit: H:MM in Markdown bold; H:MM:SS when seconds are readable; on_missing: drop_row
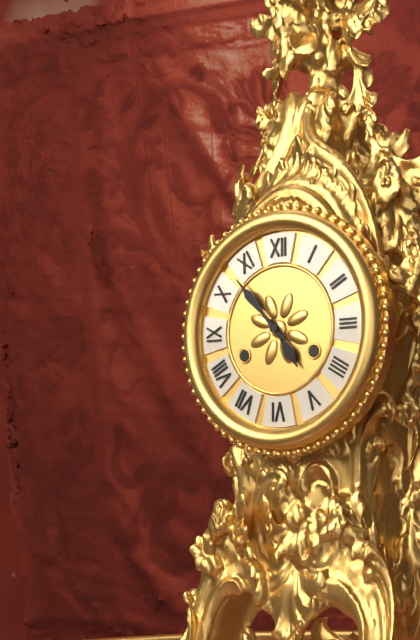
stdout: **4:53**
